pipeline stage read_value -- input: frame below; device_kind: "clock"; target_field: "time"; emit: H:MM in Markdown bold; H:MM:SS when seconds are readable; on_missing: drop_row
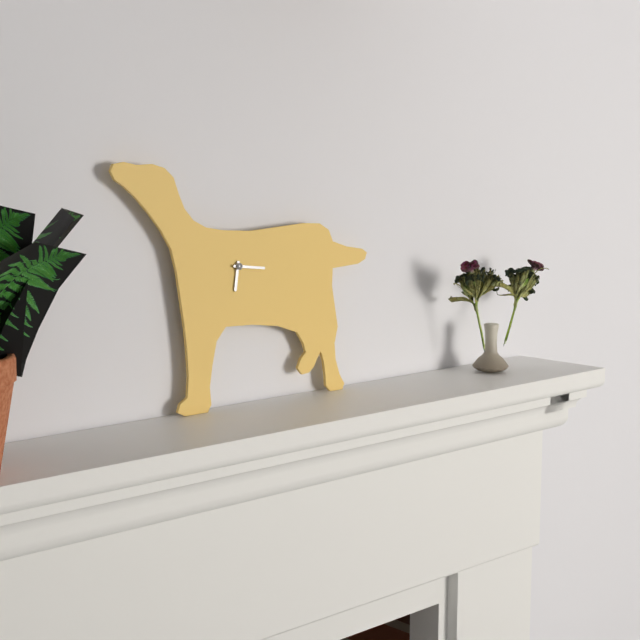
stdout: **6:16**
